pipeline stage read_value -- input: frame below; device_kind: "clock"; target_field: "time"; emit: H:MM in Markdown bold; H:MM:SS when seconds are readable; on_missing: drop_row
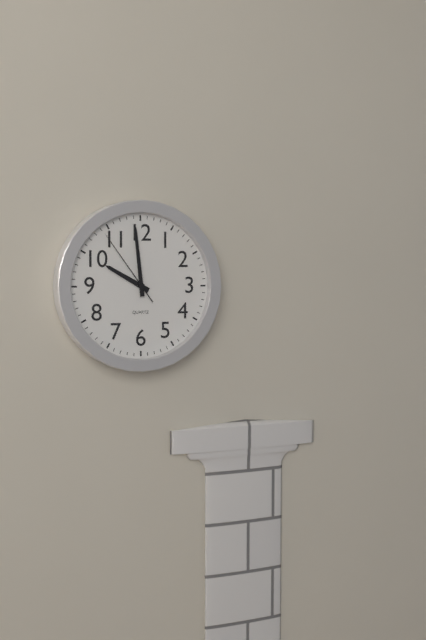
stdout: **9:59:54**
